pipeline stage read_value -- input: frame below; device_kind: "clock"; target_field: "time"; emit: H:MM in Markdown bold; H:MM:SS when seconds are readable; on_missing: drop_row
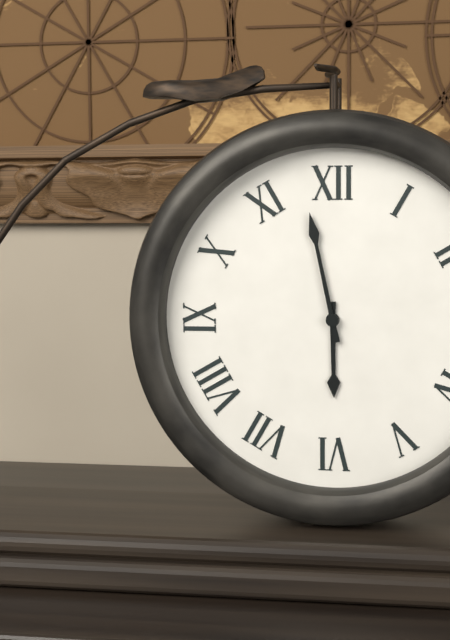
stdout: **5:58**
